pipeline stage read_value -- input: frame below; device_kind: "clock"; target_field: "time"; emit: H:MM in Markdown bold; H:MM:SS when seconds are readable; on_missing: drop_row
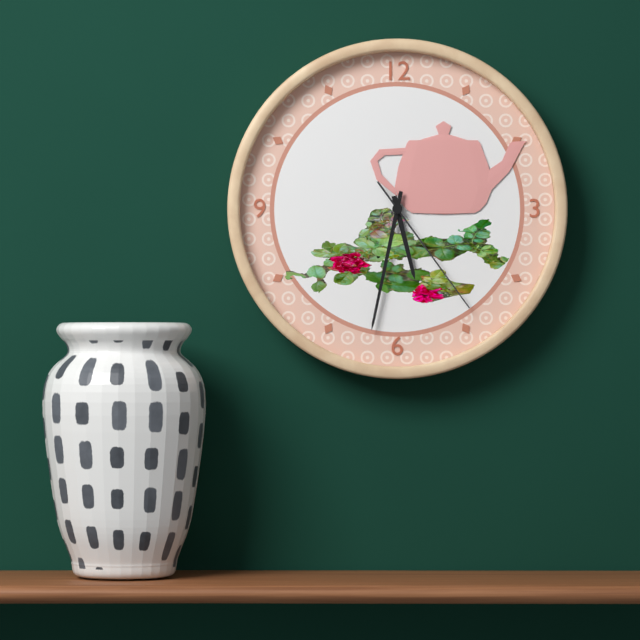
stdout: **5:32:24**
